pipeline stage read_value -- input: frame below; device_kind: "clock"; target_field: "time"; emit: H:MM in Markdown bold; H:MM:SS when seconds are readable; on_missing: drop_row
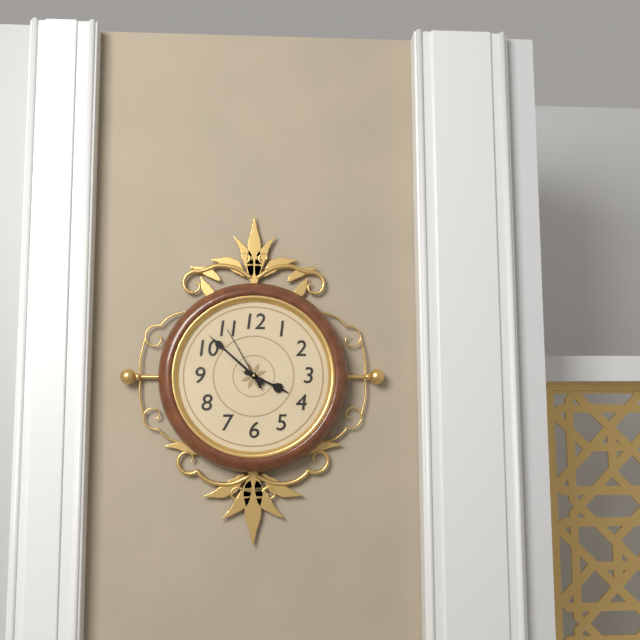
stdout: **3:52:55**
